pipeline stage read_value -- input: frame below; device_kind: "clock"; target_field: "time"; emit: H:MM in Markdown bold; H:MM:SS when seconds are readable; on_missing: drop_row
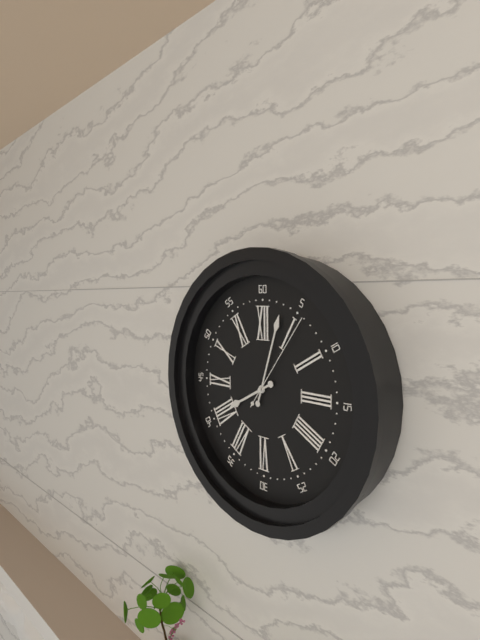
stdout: **8:03:06**
